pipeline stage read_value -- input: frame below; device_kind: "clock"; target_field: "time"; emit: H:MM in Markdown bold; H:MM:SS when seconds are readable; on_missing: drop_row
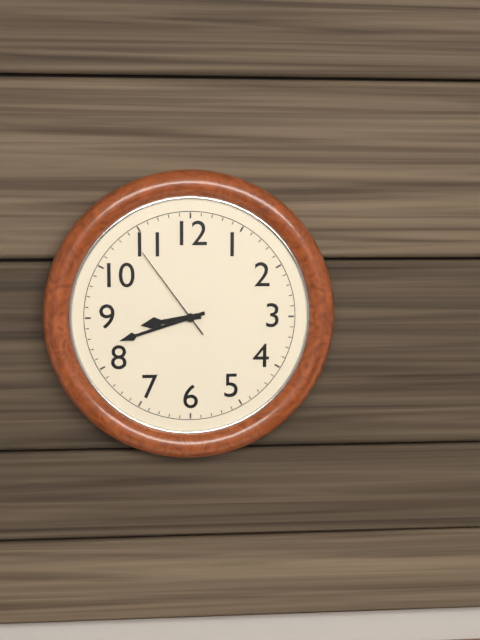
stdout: **8:42:54**
